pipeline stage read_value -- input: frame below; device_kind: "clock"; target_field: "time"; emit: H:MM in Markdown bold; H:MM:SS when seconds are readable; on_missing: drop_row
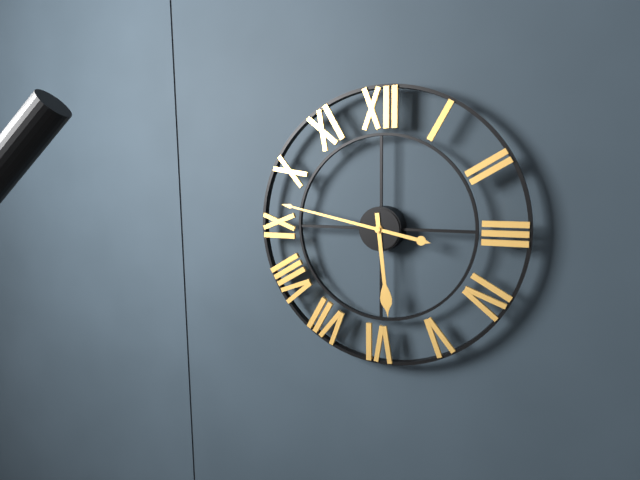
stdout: **5:47**
